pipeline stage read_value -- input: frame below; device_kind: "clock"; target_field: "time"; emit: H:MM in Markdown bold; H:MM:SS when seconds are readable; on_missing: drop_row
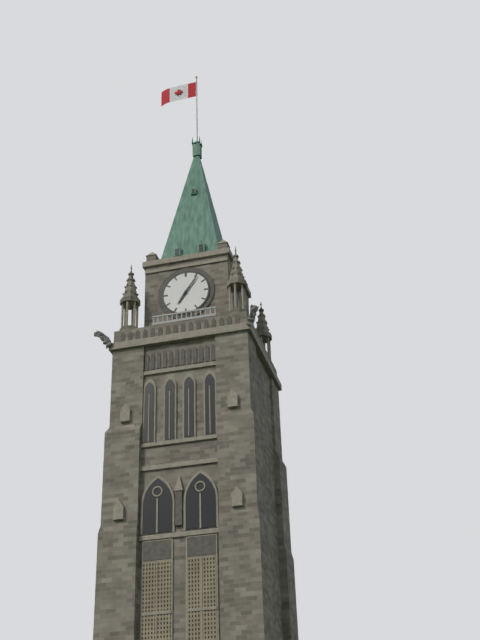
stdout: **7:06**
